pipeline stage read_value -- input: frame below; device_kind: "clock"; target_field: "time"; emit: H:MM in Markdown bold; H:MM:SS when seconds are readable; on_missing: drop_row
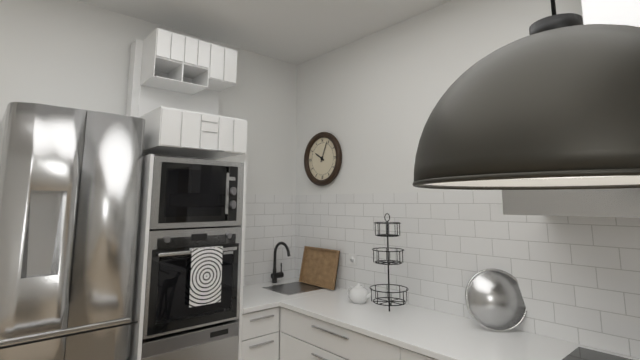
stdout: **10:04**
